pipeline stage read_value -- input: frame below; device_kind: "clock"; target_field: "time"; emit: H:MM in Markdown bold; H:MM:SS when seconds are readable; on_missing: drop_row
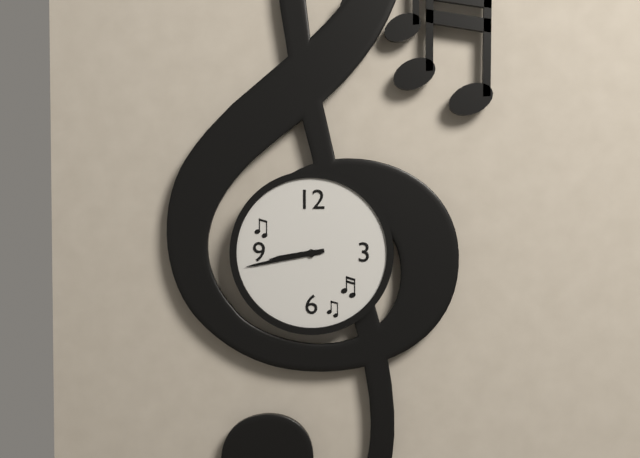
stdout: **8:43**
